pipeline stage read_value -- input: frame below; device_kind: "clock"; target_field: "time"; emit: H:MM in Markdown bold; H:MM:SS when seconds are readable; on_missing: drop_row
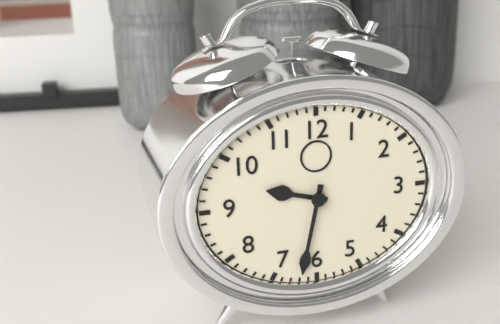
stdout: **9:32**
